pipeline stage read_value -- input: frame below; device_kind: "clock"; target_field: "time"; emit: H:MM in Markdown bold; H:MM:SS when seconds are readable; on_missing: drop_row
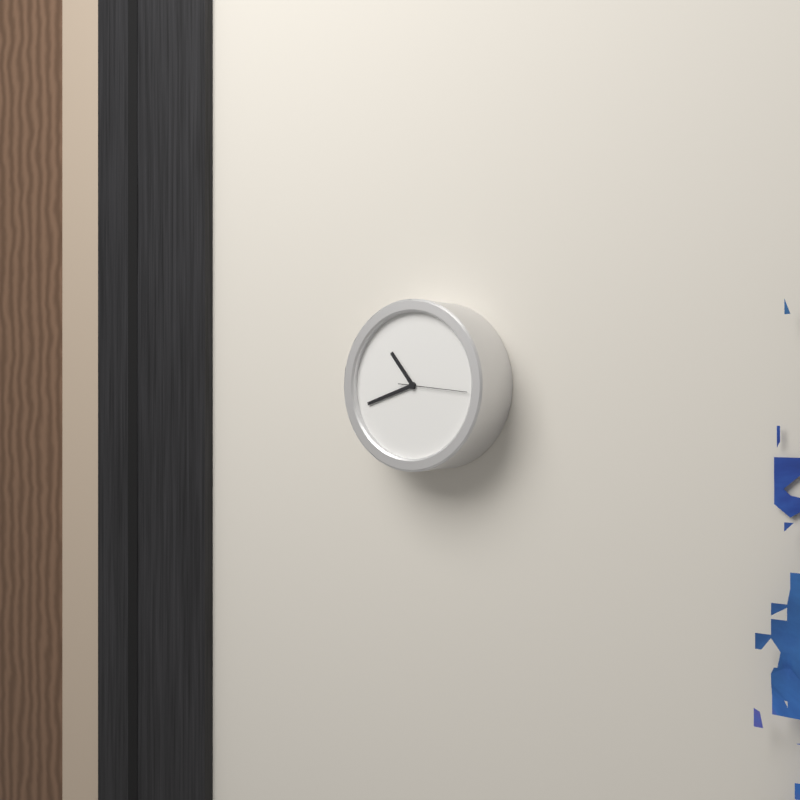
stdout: **10:42**
